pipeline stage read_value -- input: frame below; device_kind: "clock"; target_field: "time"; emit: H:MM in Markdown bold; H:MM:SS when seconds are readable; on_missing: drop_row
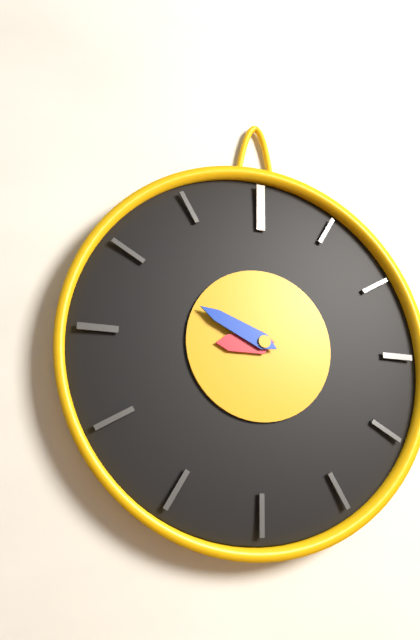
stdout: **8:49**
